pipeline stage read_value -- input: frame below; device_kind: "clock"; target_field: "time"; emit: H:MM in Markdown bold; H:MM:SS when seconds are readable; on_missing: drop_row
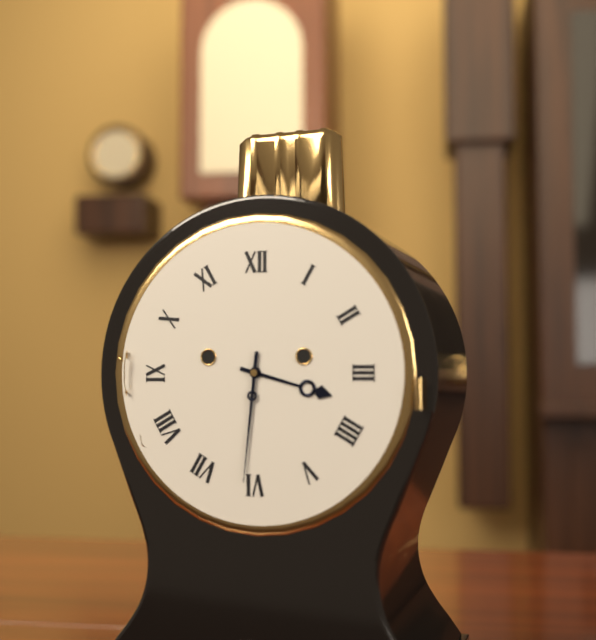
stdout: **3:31**
